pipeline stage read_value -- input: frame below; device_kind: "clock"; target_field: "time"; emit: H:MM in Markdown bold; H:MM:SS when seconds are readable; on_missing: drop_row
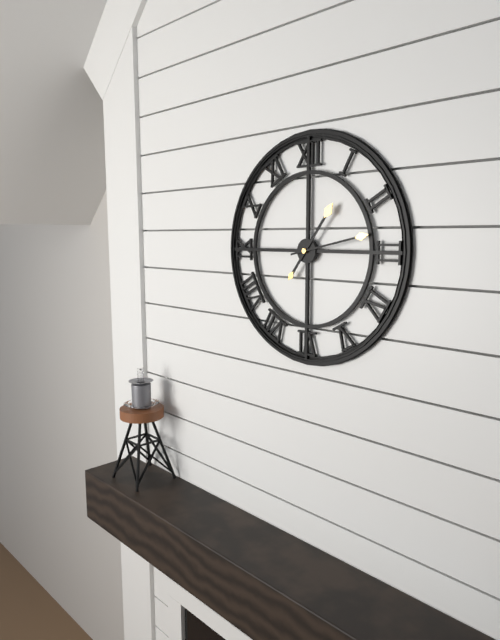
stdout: **1:13**
